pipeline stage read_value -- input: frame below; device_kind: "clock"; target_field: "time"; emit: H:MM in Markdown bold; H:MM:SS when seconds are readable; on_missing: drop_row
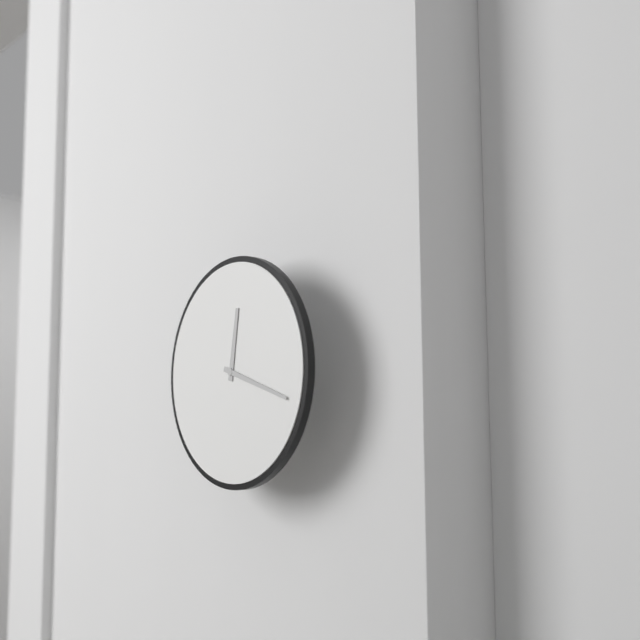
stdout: **12:18**
